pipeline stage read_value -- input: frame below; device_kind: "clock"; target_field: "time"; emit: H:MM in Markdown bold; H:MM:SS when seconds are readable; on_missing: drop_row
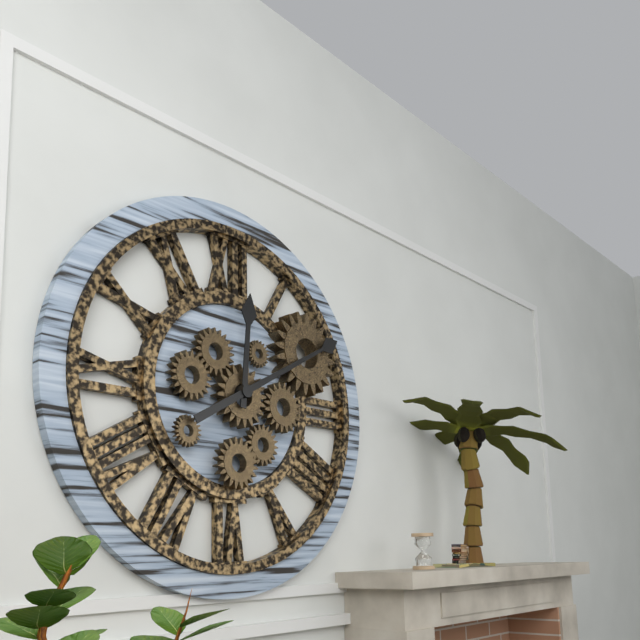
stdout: **12:10**
